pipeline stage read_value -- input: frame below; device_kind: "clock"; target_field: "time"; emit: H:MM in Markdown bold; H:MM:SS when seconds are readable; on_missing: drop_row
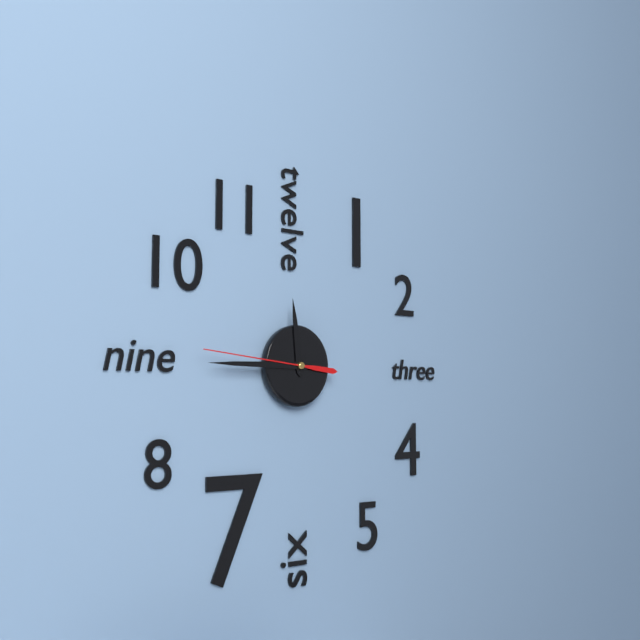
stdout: **11:45:46**
